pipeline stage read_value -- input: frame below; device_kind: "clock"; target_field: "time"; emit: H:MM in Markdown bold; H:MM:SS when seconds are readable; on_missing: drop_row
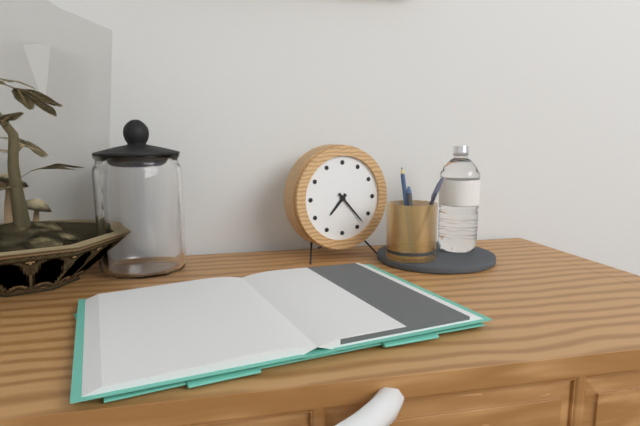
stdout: **7:23**
